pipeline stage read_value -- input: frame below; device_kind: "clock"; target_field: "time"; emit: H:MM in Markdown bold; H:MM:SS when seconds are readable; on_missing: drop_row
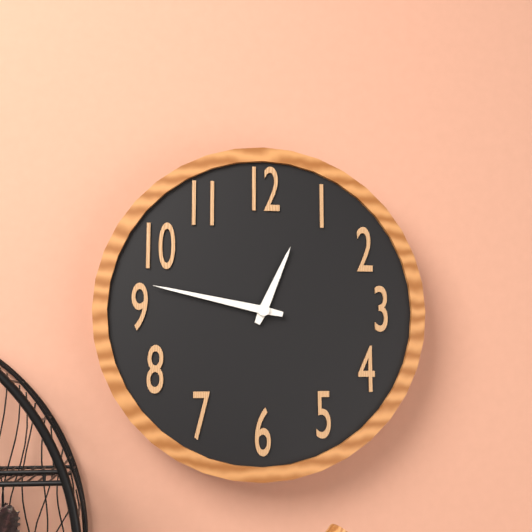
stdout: **12:47**
